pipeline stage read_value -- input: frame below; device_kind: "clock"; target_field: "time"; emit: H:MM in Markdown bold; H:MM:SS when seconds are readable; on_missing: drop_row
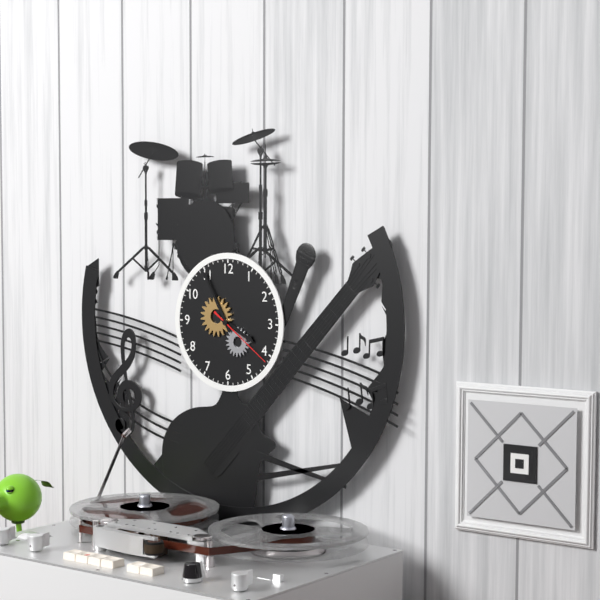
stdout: **3:55:21**
